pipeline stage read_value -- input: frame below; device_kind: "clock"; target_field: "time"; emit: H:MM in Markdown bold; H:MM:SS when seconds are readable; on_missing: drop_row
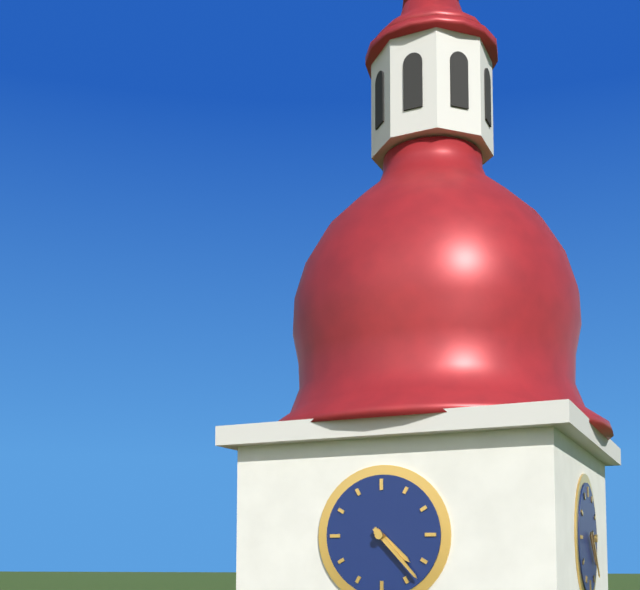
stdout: **4:23**
